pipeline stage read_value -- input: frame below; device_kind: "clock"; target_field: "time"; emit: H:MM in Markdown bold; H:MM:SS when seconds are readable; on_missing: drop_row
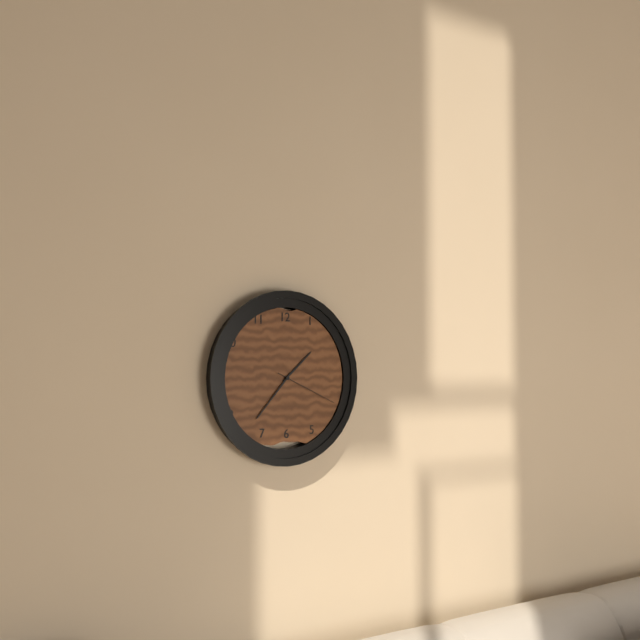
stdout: **1:37:19**
